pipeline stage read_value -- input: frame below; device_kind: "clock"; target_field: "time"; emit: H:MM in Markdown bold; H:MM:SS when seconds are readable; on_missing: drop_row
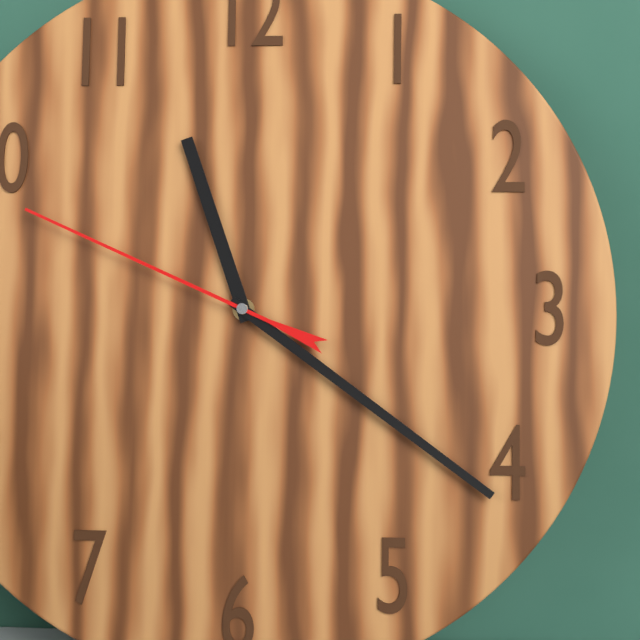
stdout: **11:21:49**
